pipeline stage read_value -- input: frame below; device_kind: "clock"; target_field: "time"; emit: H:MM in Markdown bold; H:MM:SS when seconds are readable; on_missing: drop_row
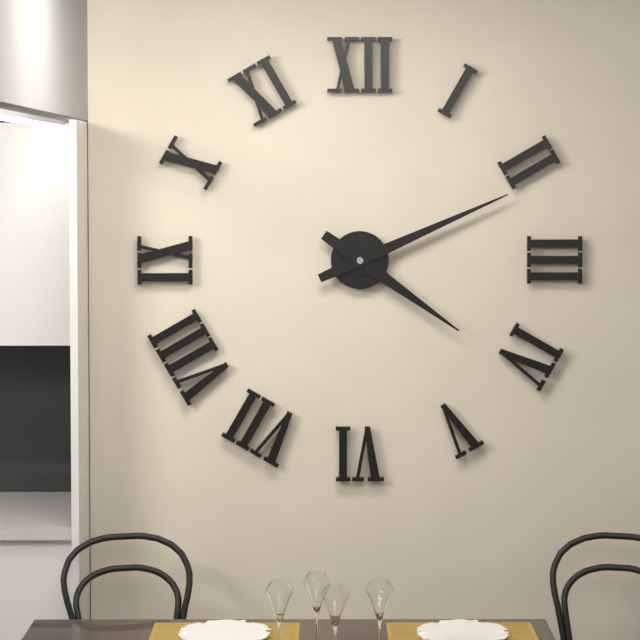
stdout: **4:11**
